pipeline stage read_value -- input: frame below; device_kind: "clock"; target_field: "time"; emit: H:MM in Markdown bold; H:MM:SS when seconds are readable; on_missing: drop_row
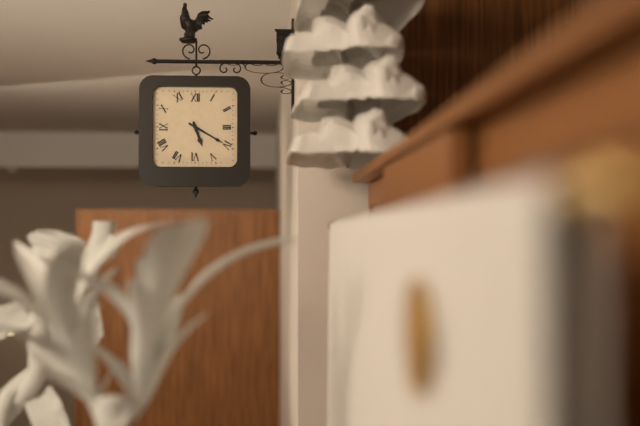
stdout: **5:20**
